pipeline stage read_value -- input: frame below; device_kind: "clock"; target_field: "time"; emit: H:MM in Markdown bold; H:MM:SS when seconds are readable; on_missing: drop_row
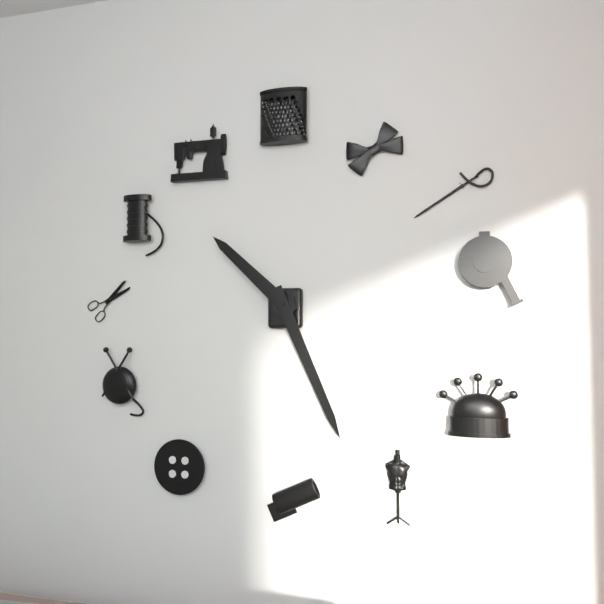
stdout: **10:26**
